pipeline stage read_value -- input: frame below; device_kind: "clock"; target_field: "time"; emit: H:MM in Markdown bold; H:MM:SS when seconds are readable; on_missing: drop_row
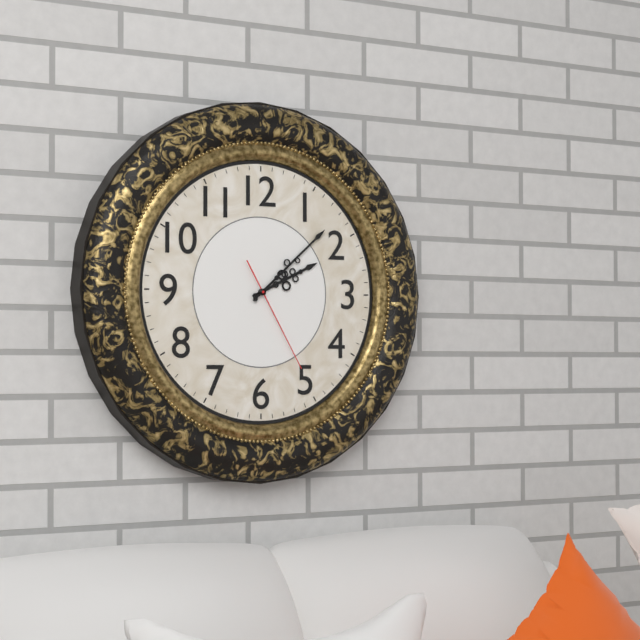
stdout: **2:08:25**
